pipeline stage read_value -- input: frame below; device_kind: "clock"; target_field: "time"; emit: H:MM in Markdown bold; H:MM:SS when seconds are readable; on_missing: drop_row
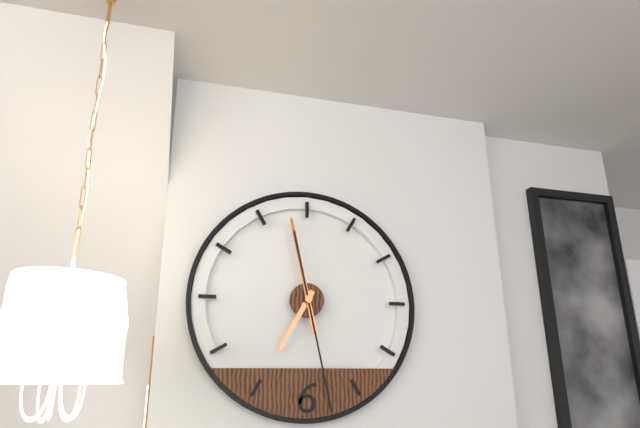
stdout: **6:58:28**
